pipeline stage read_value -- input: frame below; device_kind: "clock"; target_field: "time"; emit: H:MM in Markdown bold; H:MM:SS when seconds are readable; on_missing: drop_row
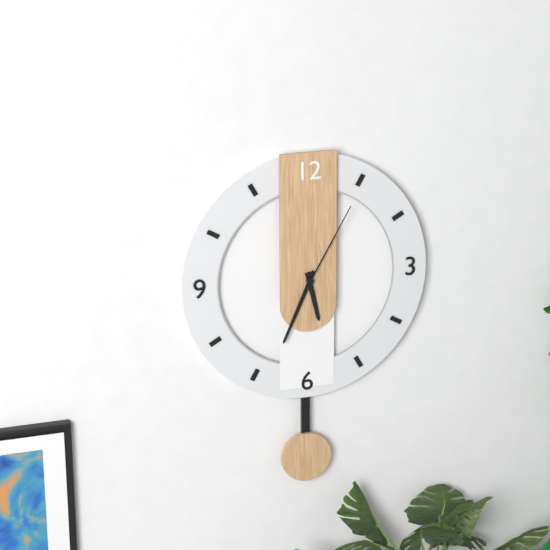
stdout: **5:34:05**
